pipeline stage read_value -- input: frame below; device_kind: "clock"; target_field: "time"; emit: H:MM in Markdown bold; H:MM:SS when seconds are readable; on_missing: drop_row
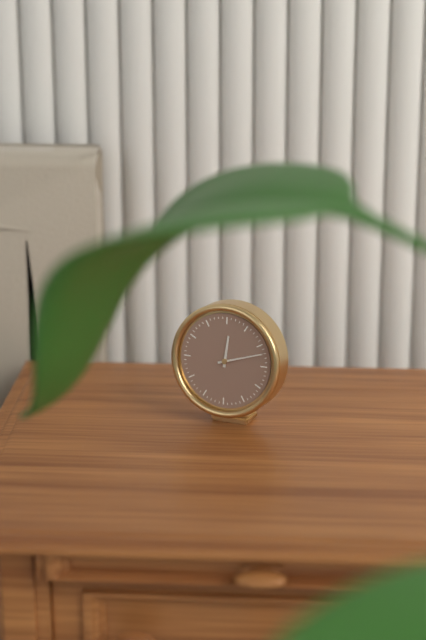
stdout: **12:12**
